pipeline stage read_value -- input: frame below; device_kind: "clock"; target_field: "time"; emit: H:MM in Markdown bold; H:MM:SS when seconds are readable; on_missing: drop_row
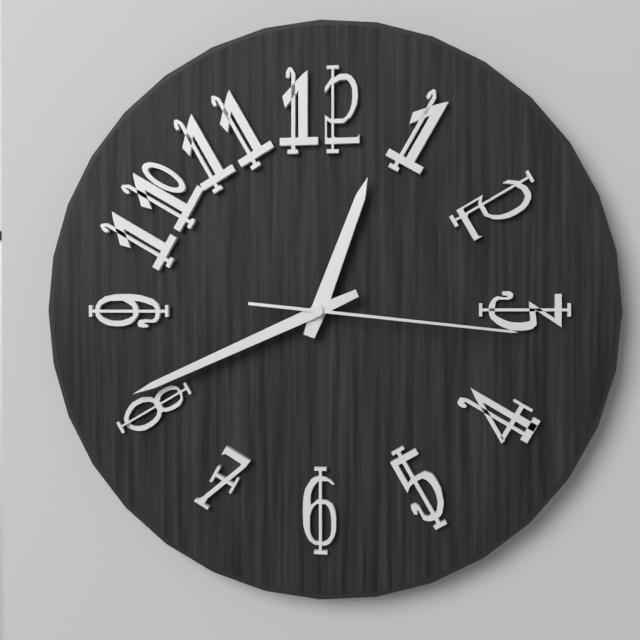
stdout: **12:41:16**
